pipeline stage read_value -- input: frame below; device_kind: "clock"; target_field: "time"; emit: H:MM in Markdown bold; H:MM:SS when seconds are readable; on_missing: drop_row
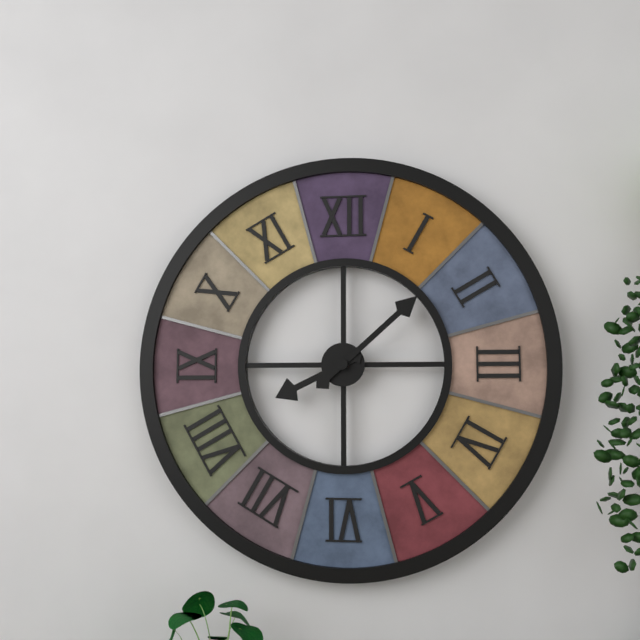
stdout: **8:08**
